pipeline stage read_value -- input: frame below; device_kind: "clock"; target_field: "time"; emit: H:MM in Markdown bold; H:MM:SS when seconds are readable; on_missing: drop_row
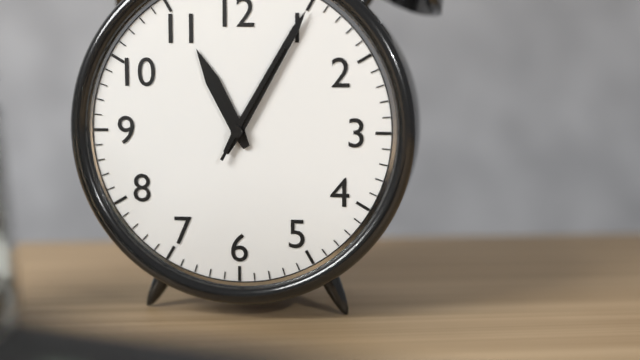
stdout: **11:05:05**
